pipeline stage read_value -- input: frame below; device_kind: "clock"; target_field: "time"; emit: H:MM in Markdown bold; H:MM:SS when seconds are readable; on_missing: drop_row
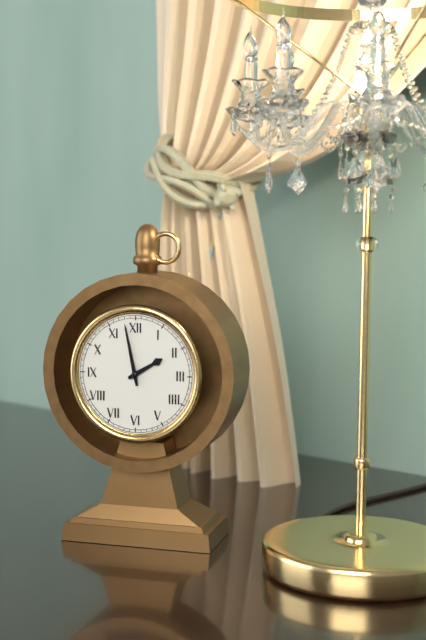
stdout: **1:58**
